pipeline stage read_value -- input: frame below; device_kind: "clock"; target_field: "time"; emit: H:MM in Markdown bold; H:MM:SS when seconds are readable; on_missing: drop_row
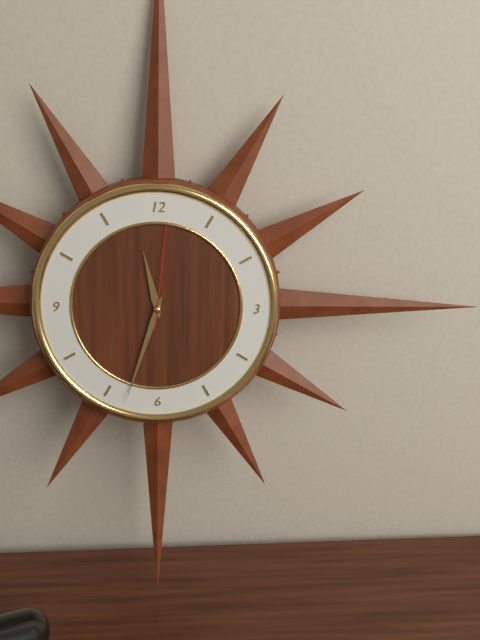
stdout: **11:33:01**
